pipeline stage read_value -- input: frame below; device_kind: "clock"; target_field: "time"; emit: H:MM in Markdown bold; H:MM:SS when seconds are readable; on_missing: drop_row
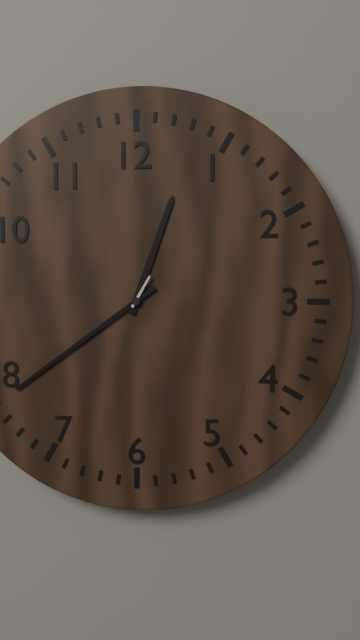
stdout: **12:39**
